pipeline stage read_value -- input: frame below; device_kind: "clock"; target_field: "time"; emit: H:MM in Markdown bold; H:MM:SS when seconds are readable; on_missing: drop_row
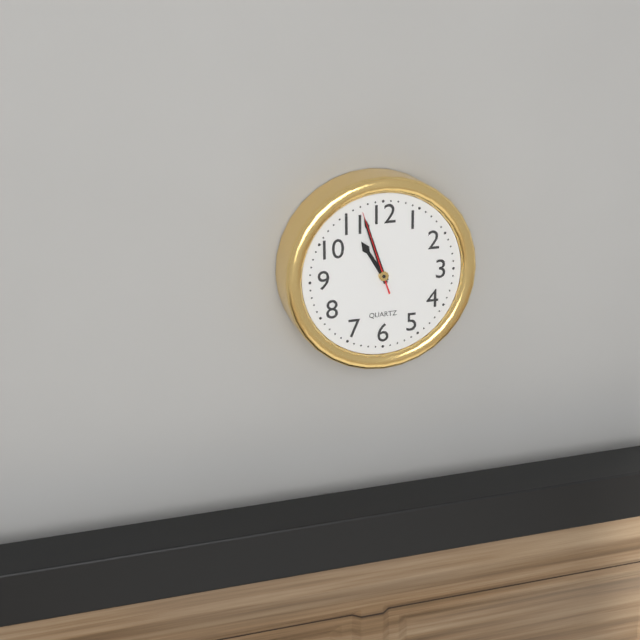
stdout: **10:57:57**
